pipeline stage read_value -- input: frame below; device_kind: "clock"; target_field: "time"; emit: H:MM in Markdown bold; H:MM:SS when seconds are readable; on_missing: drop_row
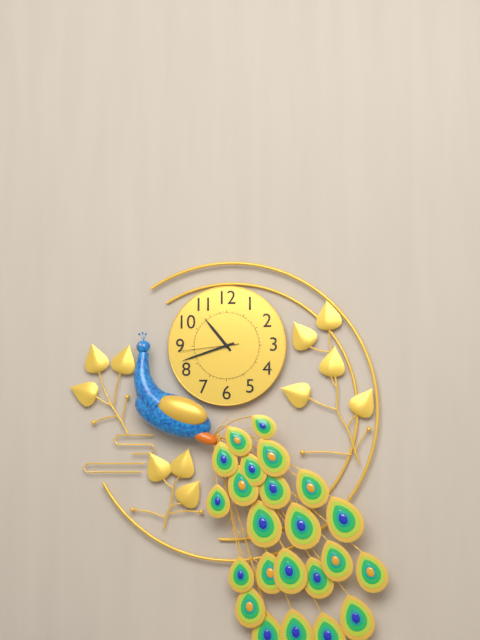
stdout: **10:42:44**
